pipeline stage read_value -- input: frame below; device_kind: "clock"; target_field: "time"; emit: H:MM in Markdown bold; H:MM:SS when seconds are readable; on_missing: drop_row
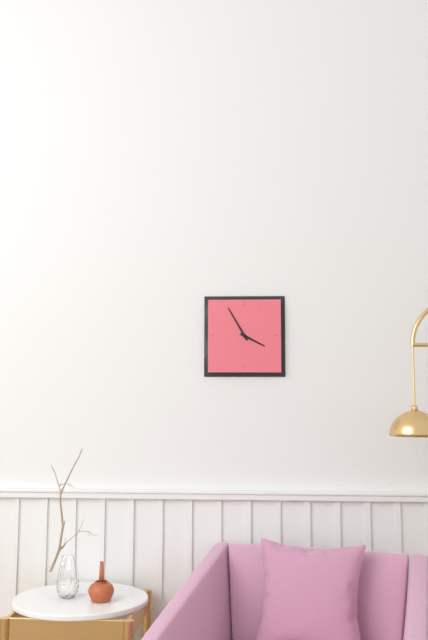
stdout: **3:55**
